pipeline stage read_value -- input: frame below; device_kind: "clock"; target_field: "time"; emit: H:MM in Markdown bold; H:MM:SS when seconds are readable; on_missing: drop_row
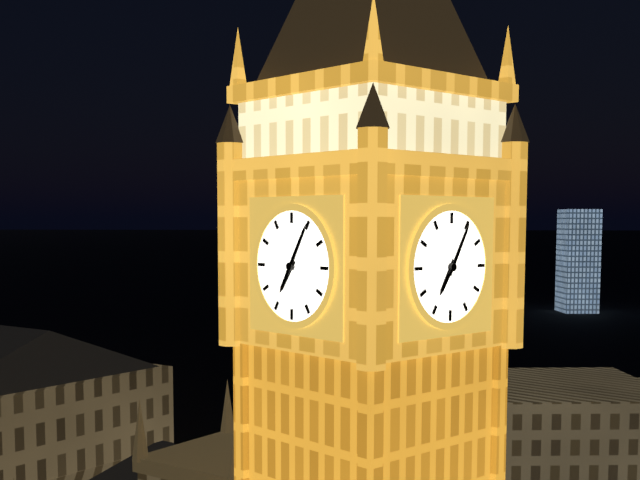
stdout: **7:05**
